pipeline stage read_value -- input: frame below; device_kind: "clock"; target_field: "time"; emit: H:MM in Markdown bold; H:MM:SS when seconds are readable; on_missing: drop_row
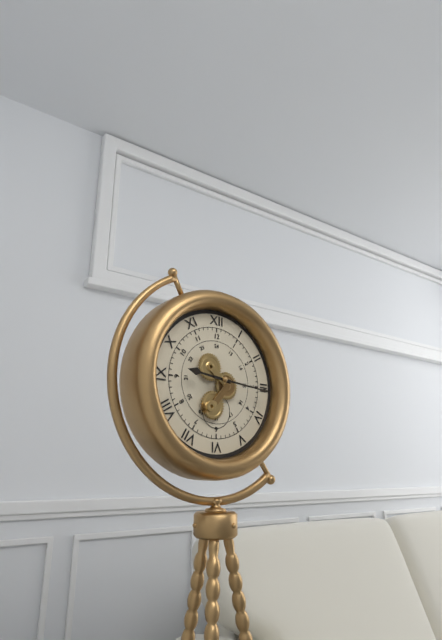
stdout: **9:16**
